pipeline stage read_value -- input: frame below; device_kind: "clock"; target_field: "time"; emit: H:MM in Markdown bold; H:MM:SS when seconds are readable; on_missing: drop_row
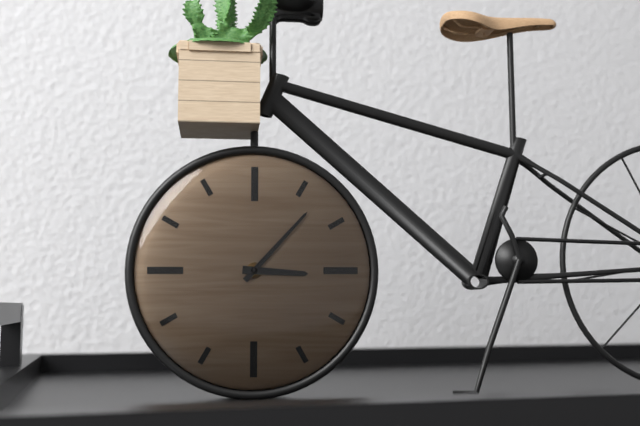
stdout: **3:07**
